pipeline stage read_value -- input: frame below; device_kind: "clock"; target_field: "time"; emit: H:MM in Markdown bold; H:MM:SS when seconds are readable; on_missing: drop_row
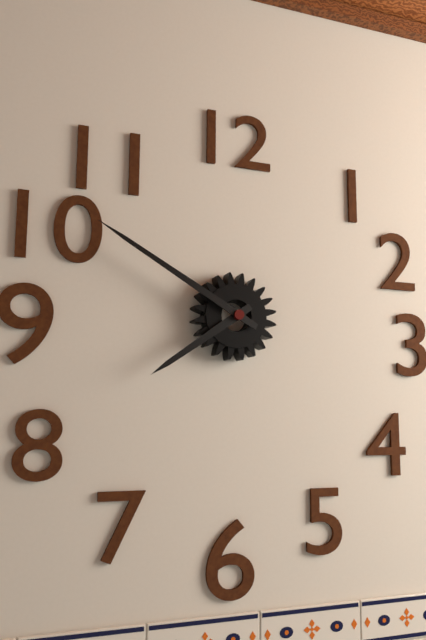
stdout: **7:50**
